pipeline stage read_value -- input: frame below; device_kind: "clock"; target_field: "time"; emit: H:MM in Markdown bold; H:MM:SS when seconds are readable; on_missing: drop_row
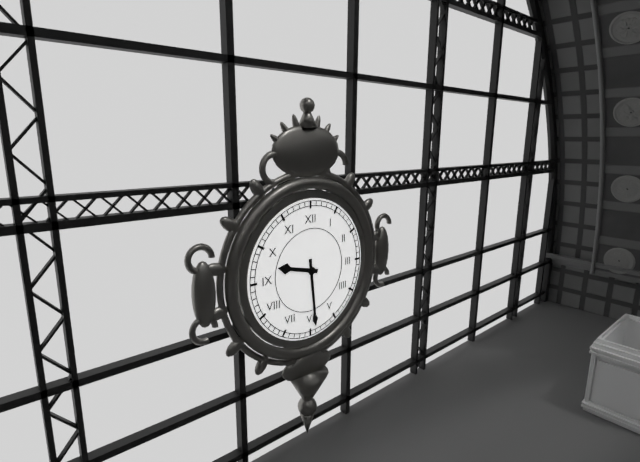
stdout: **9:29**
